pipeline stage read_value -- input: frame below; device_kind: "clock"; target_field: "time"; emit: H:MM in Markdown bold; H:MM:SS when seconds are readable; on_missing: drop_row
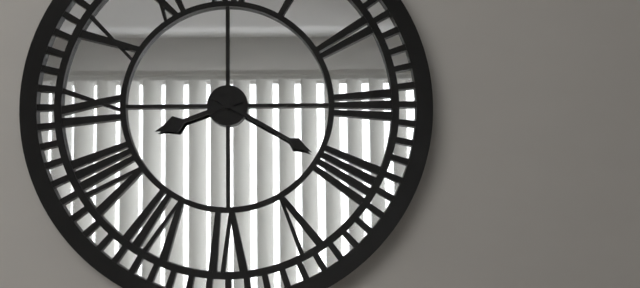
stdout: **8:20**
